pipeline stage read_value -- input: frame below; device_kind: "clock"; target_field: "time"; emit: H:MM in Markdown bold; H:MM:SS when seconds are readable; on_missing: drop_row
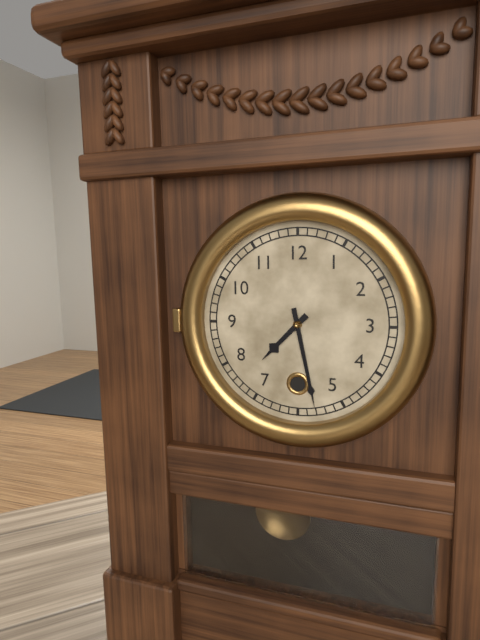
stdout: **7:28**
